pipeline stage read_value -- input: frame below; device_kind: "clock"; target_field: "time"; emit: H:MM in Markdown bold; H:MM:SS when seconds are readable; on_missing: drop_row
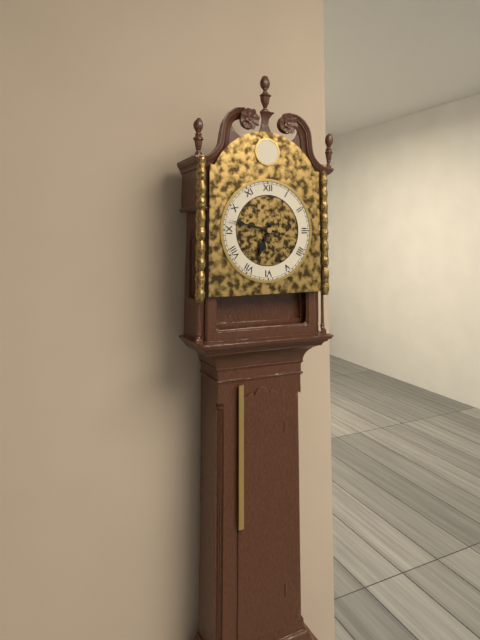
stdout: **6:47**
